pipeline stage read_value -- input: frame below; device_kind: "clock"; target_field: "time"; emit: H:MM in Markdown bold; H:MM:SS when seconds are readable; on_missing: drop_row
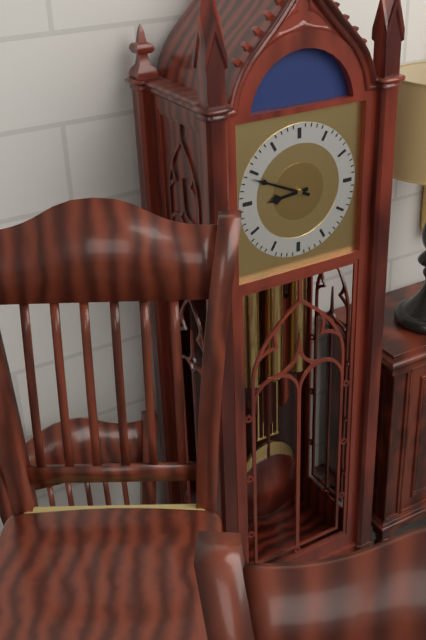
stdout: **8:49**
